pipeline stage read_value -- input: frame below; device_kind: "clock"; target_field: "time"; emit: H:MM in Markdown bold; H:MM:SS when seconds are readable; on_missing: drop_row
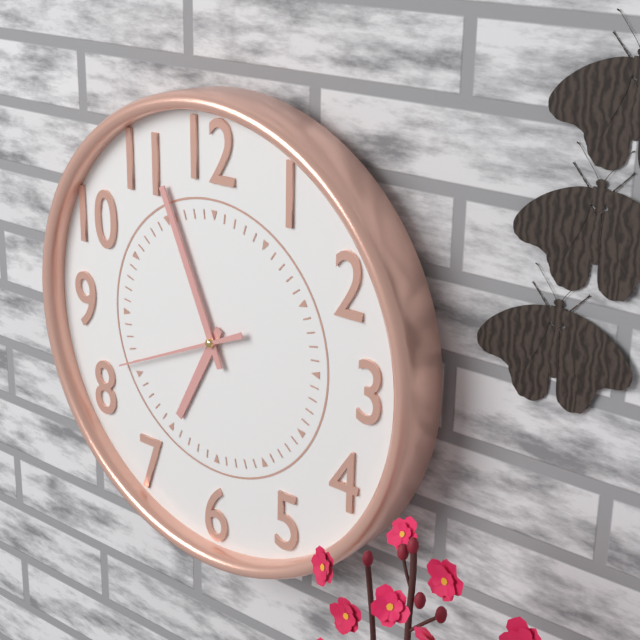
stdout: **6:56:41**
